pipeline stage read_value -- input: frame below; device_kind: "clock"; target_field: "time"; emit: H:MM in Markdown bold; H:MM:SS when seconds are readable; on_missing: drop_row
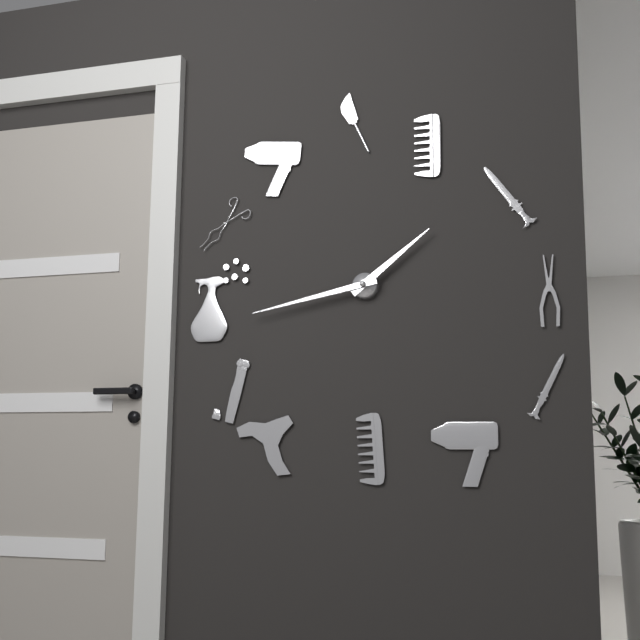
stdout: **1:43**
